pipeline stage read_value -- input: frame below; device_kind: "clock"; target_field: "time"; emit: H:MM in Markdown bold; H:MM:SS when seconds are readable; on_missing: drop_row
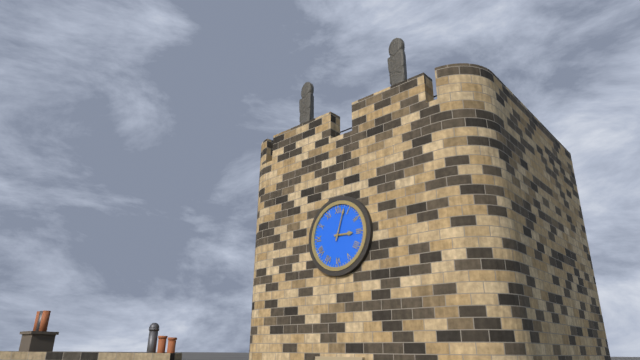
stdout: **3:03**
